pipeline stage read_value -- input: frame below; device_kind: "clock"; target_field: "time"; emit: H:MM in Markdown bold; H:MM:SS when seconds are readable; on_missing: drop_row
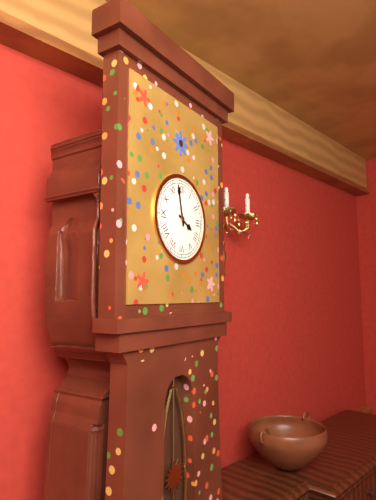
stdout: **3:58**
